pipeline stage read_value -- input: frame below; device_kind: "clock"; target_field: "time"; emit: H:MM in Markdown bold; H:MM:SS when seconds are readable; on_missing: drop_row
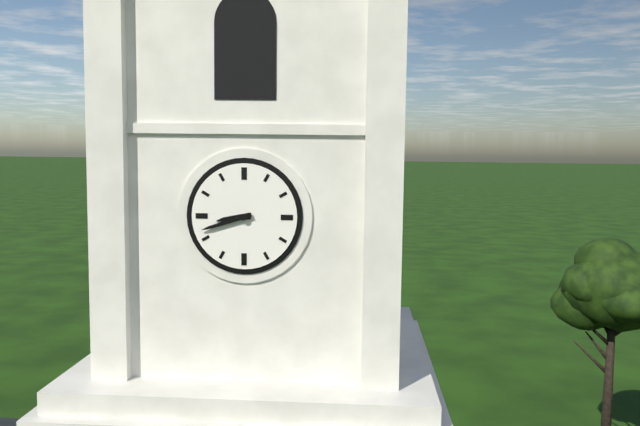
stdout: **8:42**
